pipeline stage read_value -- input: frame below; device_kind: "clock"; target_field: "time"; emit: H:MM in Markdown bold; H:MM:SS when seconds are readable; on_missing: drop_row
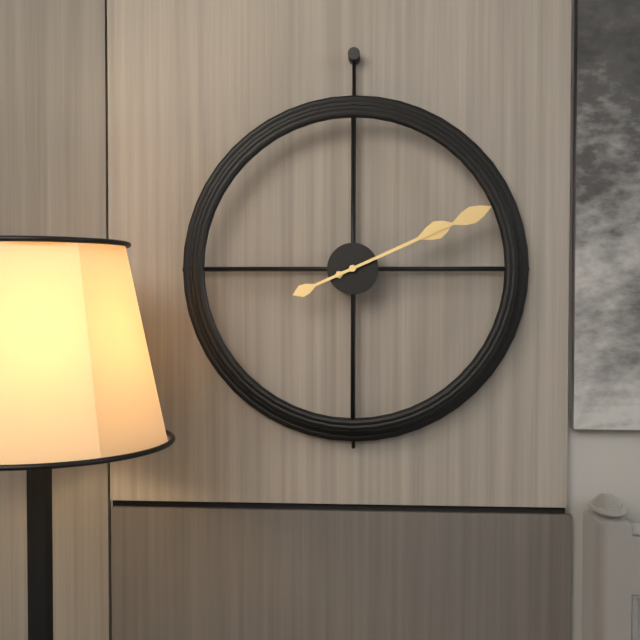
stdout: **2:11**
